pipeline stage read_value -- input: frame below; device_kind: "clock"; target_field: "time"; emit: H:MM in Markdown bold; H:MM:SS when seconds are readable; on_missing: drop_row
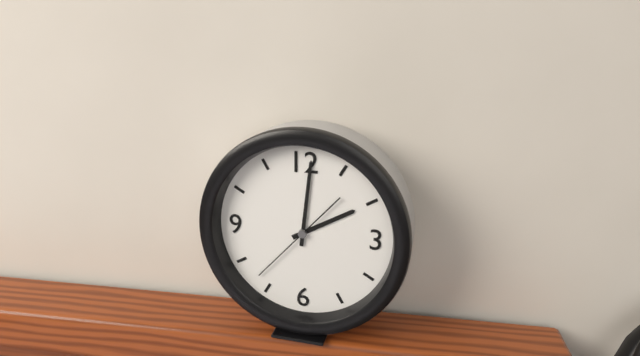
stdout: **2:01:37**
